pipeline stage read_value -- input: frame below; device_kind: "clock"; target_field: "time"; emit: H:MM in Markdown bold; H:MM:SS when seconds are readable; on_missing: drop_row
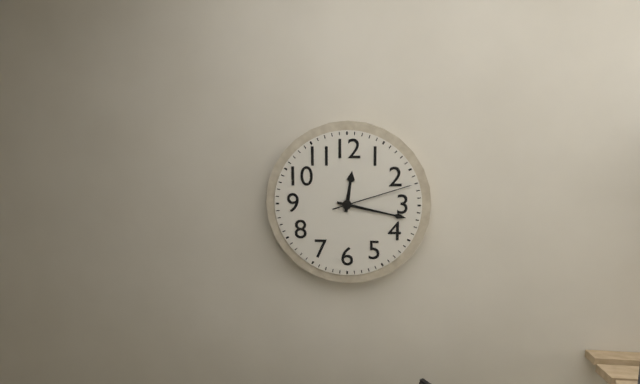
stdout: **12:17:12**
